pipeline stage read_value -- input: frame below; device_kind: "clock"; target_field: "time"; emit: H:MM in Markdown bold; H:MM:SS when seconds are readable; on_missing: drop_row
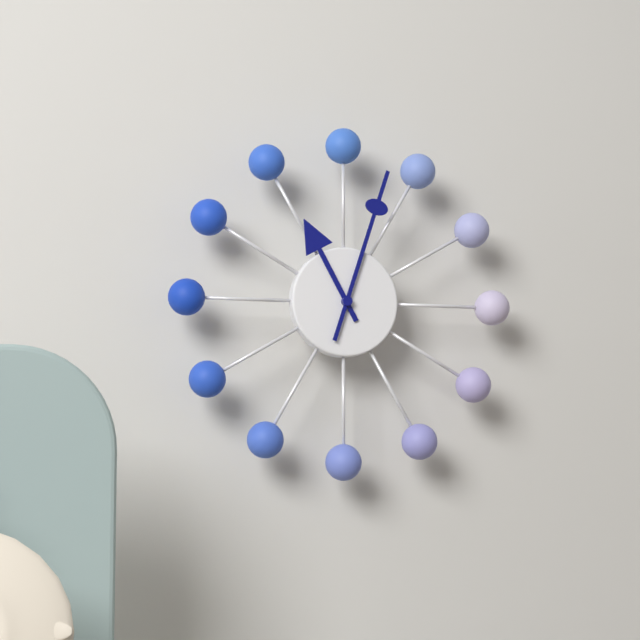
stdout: **11:03**
